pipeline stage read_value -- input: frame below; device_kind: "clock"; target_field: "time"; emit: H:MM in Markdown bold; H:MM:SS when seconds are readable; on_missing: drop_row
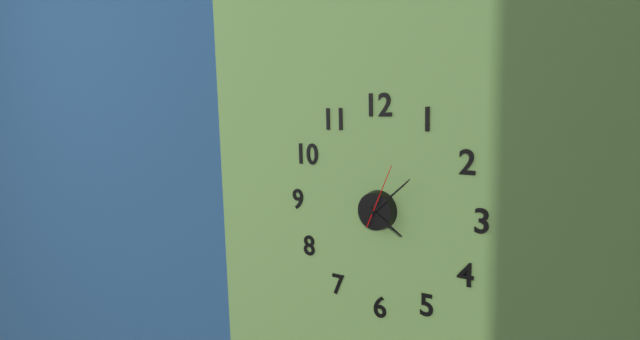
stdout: **4:08:04**
